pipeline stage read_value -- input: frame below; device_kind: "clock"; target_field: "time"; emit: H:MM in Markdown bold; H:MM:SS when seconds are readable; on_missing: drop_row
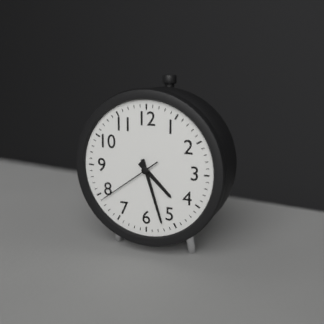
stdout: **4:27:39**
